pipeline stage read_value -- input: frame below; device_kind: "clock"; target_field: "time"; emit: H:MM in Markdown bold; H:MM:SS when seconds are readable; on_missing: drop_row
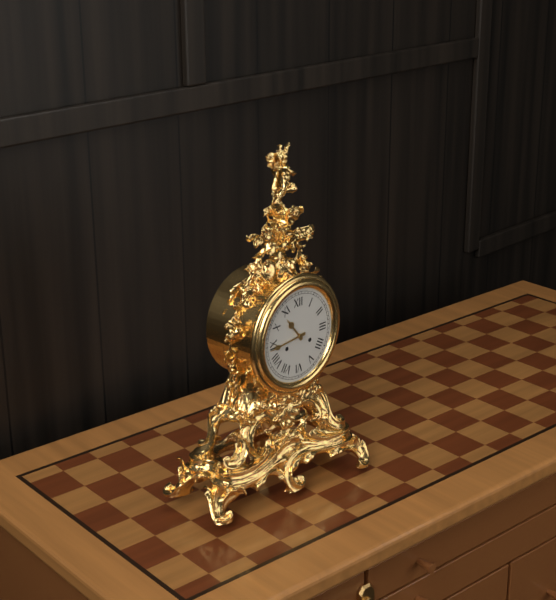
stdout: **10:44**
